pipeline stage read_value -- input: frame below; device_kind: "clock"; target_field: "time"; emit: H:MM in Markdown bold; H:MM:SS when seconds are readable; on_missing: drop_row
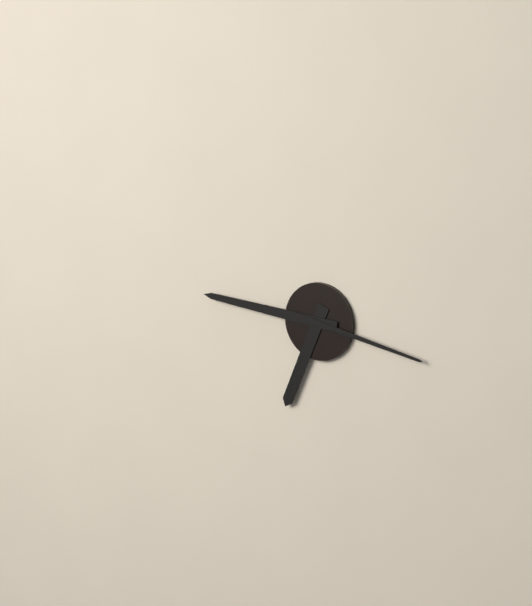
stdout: **6:46:17**
